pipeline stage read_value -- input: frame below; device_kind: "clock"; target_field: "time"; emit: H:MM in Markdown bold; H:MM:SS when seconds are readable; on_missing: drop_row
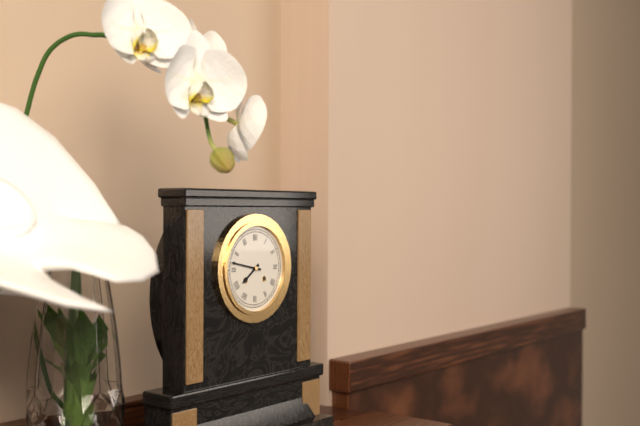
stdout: **7:47**
